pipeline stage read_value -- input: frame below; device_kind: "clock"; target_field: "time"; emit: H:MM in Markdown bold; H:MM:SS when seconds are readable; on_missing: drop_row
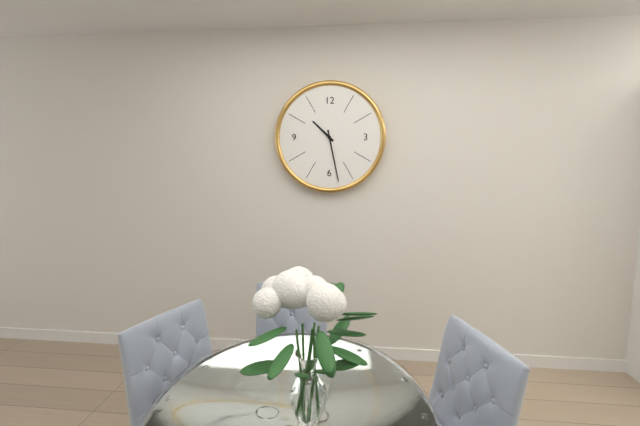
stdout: **10:28**
